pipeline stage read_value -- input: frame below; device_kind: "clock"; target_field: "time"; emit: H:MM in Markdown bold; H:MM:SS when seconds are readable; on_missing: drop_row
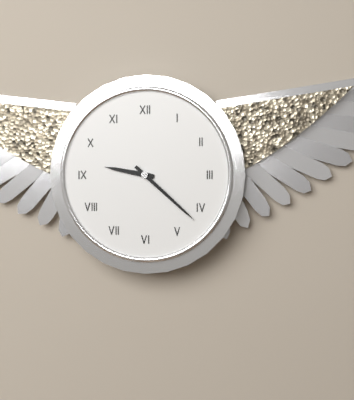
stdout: **9:22**
